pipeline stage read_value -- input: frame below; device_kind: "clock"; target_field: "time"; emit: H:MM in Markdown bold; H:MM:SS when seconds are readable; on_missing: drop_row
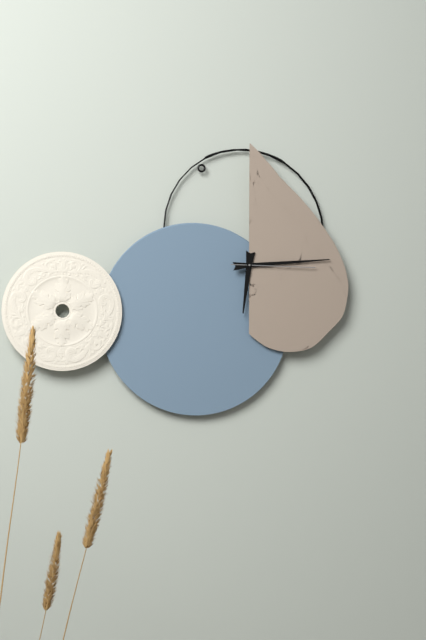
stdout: **6:14:15**
